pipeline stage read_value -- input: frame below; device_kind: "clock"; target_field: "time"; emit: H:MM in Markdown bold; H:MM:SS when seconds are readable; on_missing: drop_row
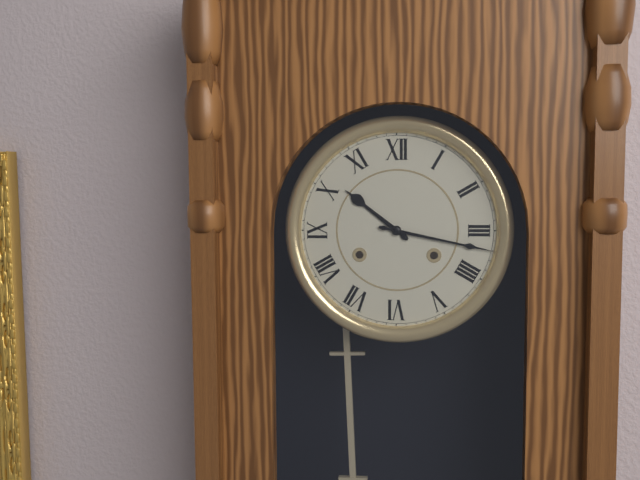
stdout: **10:17**
